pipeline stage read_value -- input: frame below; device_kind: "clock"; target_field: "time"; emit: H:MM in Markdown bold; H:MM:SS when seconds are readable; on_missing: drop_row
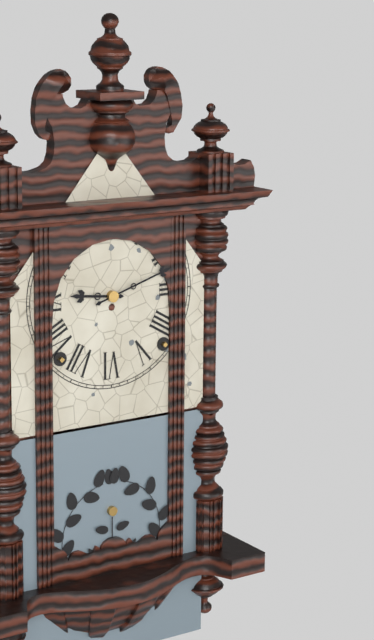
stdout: **9:12**
